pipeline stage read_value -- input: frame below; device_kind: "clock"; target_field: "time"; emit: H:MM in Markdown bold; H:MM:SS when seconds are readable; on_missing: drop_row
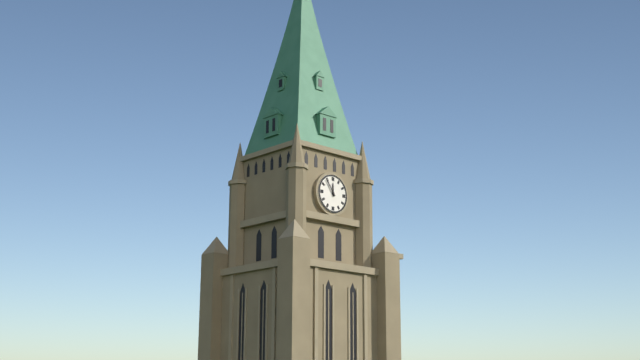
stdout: **11:54**
